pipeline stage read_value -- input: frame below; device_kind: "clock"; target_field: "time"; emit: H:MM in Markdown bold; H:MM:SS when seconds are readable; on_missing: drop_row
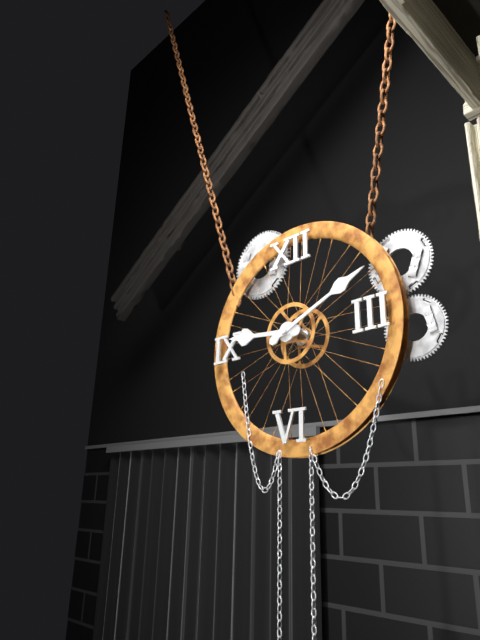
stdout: **9:11**
